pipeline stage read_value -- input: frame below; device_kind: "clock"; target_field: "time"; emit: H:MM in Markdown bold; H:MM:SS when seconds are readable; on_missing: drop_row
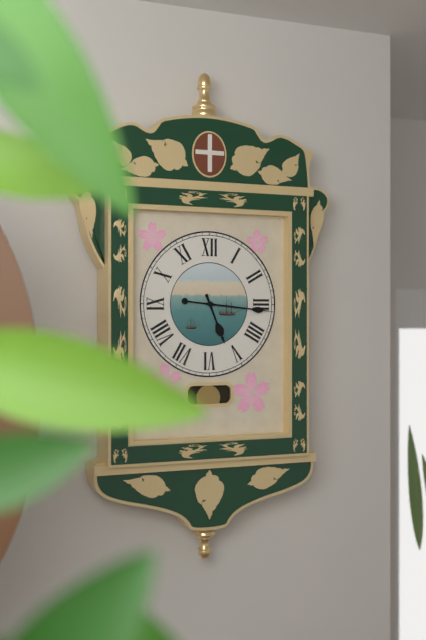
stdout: **5:16**
